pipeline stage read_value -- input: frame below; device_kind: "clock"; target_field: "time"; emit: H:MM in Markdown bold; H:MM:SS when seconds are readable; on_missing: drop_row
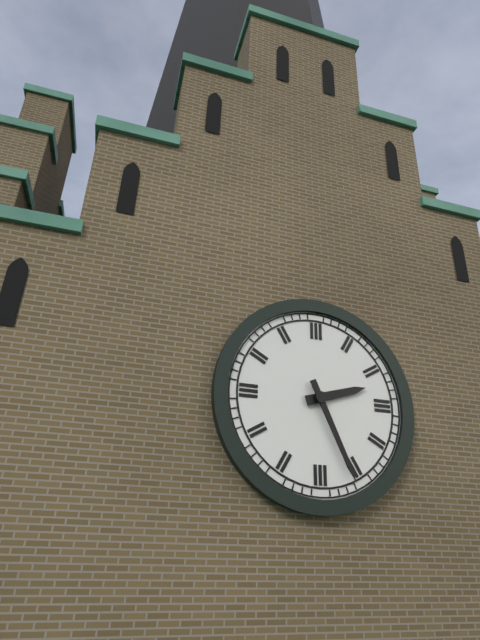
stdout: **2:26**
